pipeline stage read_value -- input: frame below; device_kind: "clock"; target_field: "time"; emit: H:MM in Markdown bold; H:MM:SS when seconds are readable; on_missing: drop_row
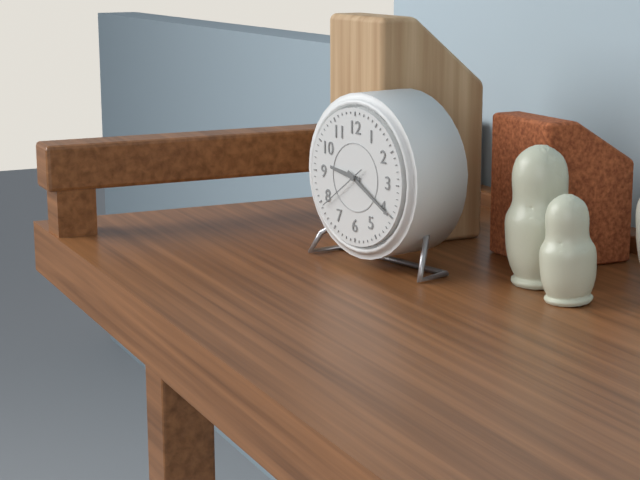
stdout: **9:20:39**
